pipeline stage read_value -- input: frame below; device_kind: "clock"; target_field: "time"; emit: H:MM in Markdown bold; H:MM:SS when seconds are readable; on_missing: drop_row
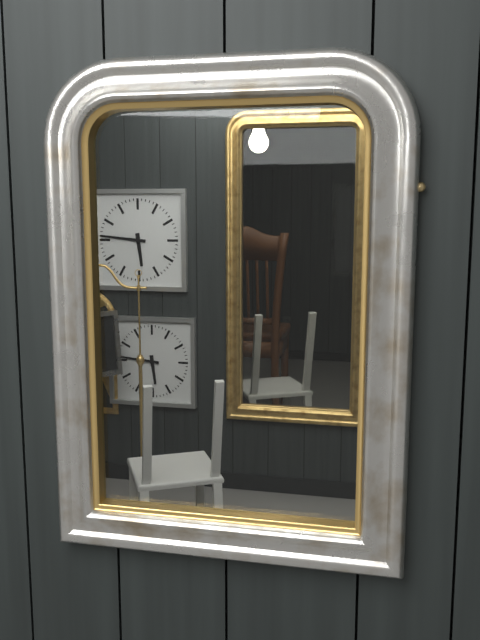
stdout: **5:46**
